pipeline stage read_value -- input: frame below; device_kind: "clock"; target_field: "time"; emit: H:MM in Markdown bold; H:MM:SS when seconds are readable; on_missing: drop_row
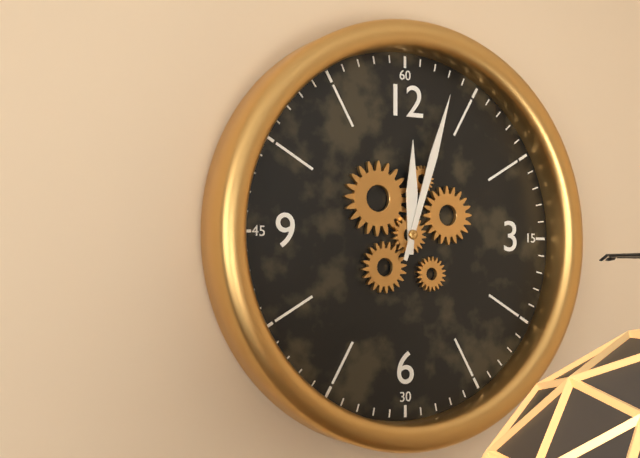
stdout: **12:03**
